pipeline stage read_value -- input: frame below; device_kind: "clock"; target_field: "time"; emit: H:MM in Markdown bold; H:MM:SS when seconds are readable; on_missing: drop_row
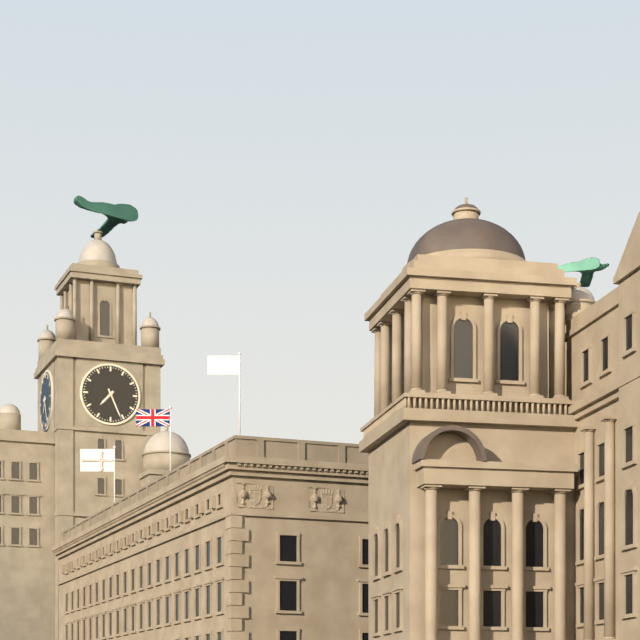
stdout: **7:26**
